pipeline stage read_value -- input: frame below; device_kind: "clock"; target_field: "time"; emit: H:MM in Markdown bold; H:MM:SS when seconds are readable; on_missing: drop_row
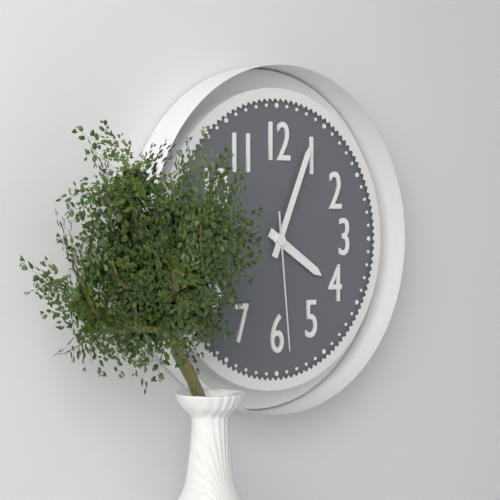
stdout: **4:04:29**
